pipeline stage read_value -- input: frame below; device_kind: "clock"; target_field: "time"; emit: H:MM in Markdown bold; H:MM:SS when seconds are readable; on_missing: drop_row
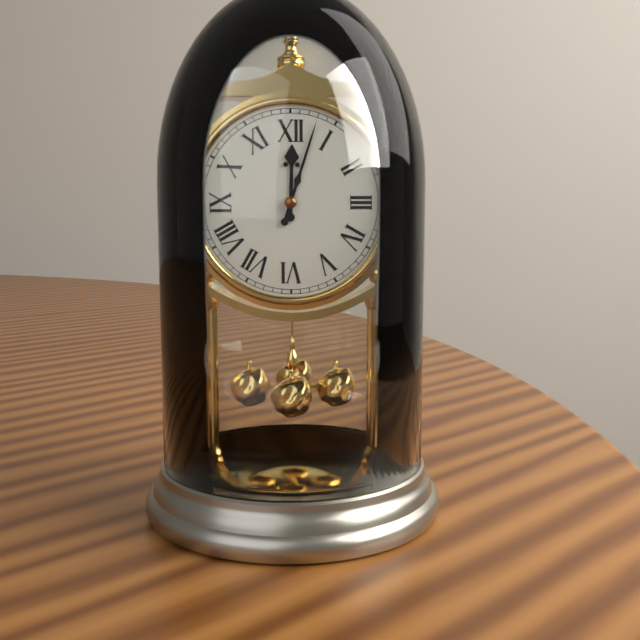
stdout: **12:03**
